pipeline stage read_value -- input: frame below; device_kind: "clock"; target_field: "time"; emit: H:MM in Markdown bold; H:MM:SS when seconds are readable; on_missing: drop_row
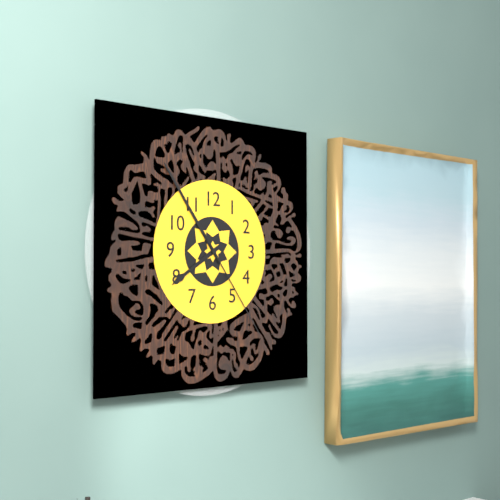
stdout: **7:54:24**
